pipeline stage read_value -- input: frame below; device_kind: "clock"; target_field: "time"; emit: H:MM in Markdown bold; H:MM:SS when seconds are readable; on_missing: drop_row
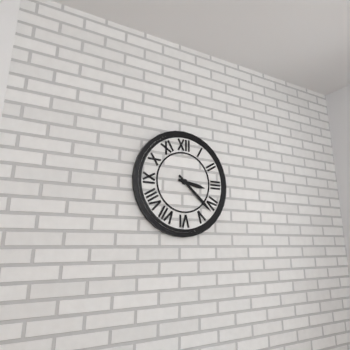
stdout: **3:22**
